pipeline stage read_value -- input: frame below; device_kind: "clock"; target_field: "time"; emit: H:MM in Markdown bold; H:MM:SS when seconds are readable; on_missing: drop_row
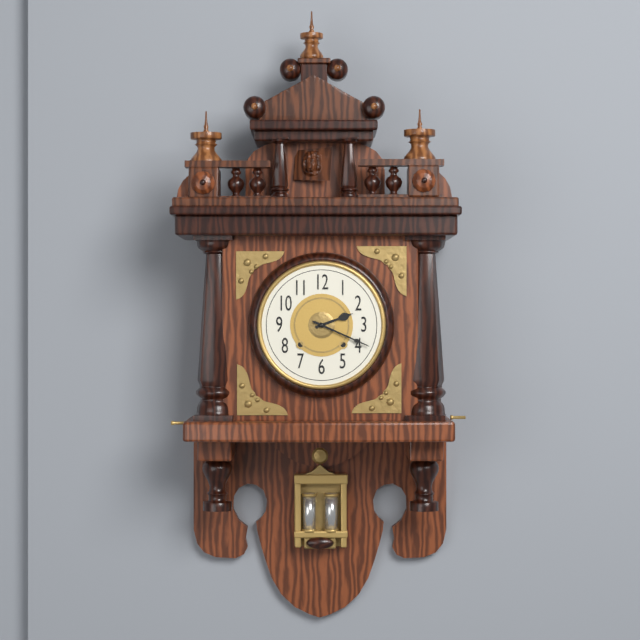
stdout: **2:19**
